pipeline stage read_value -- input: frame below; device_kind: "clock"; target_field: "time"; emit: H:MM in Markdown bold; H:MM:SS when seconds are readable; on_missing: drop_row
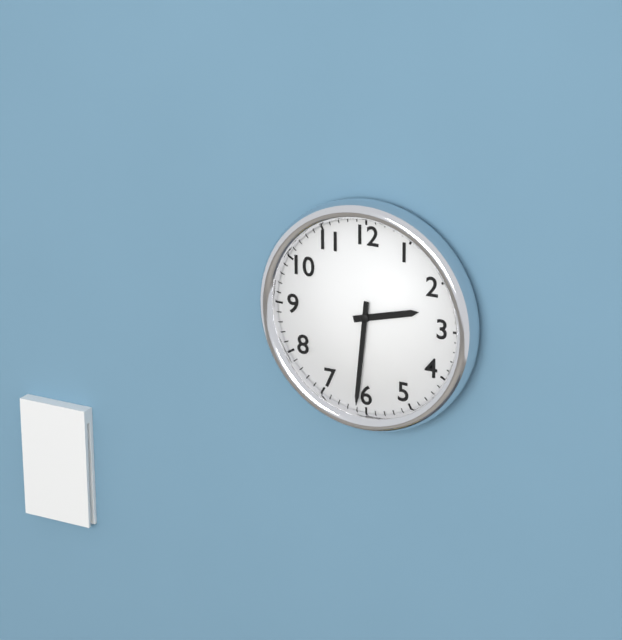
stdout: **2:31**
